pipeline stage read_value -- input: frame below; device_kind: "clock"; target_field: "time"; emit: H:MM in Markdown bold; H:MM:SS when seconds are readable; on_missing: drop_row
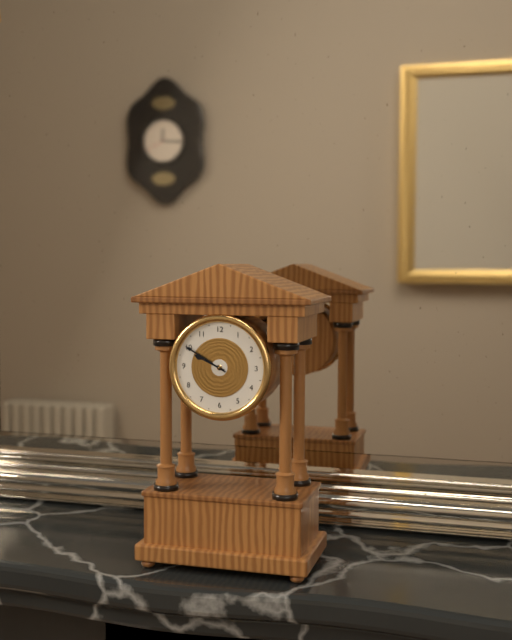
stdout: **9:50**
